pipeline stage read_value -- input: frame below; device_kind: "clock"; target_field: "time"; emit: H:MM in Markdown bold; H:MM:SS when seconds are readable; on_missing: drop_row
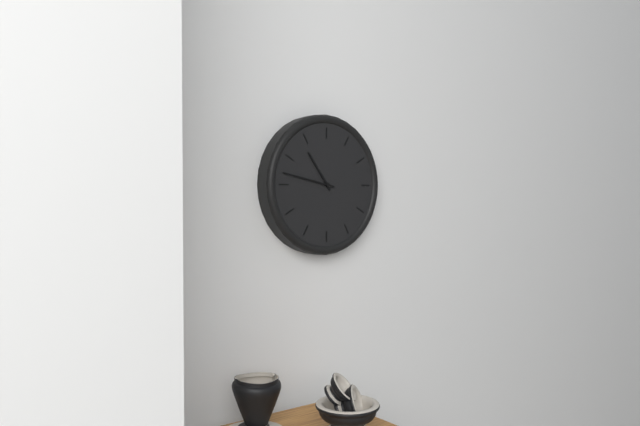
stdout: **10:47**
